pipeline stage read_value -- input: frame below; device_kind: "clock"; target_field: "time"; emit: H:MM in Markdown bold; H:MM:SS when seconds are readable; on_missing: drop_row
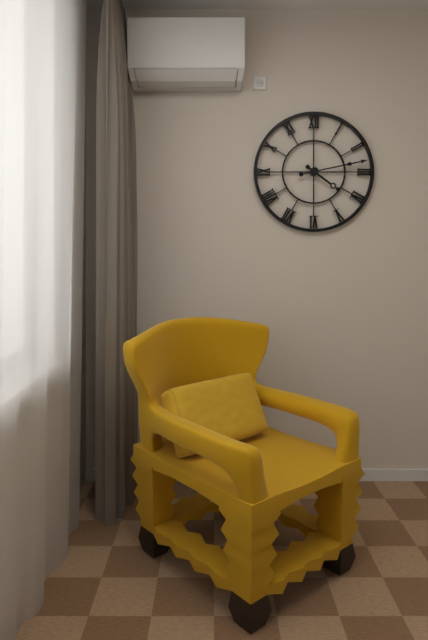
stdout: **4:13**
